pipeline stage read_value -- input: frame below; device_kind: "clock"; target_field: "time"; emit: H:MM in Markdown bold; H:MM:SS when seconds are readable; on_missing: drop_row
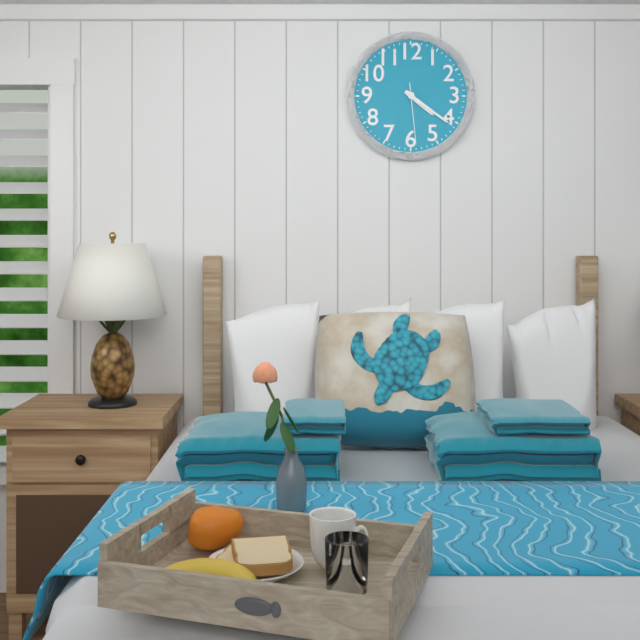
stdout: **4:21:29**
